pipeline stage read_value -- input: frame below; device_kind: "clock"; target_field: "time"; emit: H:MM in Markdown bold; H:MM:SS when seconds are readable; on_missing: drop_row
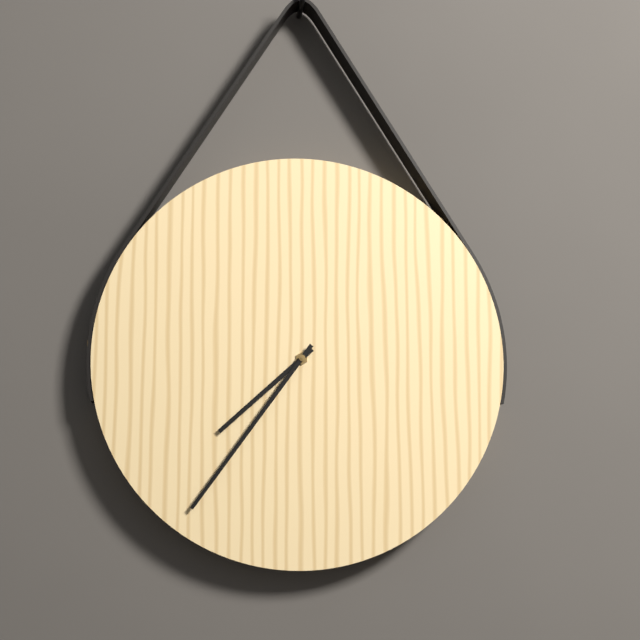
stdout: **7:36**
